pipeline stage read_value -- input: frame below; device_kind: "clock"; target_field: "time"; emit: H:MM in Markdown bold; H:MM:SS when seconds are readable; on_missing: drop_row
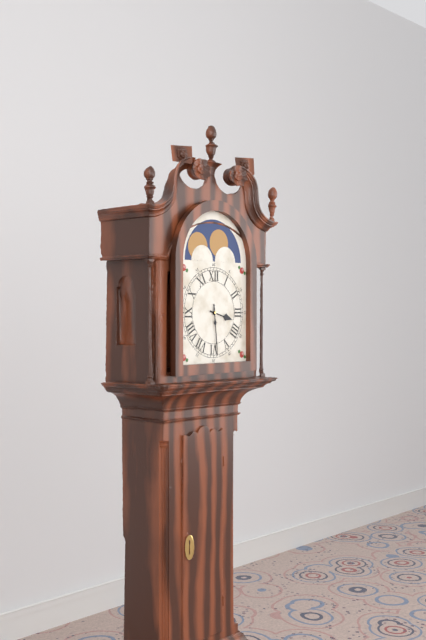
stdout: **3:29**
